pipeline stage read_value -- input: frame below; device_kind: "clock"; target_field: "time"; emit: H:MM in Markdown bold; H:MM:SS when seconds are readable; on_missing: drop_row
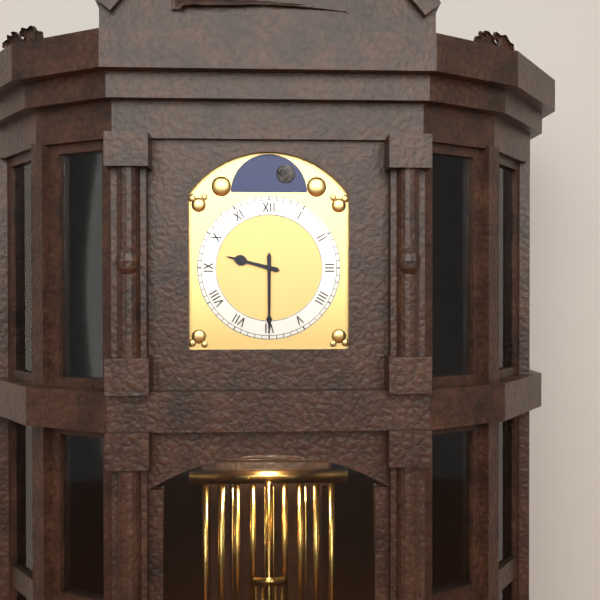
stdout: **9:30**
